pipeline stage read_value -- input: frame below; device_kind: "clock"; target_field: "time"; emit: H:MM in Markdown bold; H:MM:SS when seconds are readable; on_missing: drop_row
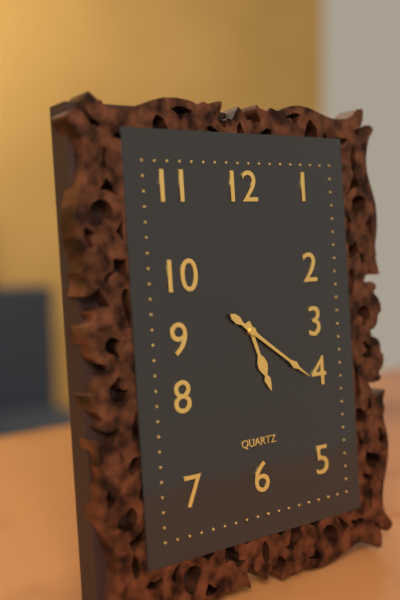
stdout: **5:21**
